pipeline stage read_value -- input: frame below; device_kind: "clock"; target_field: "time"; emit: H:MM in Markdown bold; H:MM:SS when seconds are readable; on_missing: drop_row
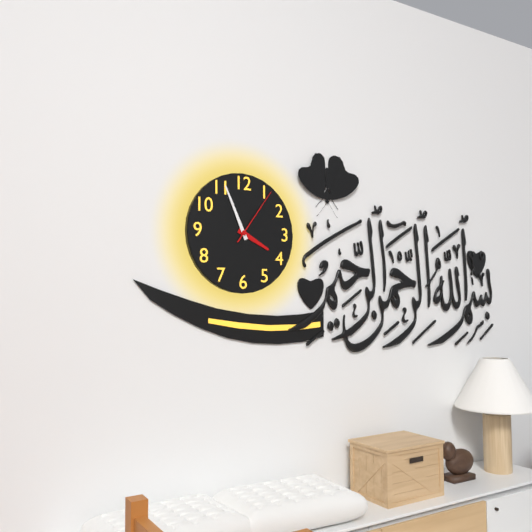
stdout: **3:56:06**
